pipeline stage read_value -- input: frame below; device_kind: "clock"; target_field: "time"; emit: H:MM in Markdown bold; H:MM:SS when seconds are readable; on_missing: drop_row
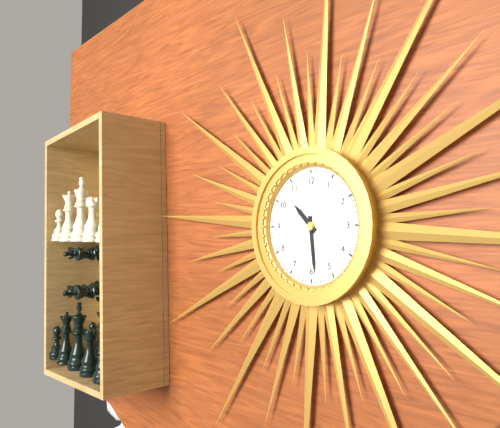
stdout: **10:29**
